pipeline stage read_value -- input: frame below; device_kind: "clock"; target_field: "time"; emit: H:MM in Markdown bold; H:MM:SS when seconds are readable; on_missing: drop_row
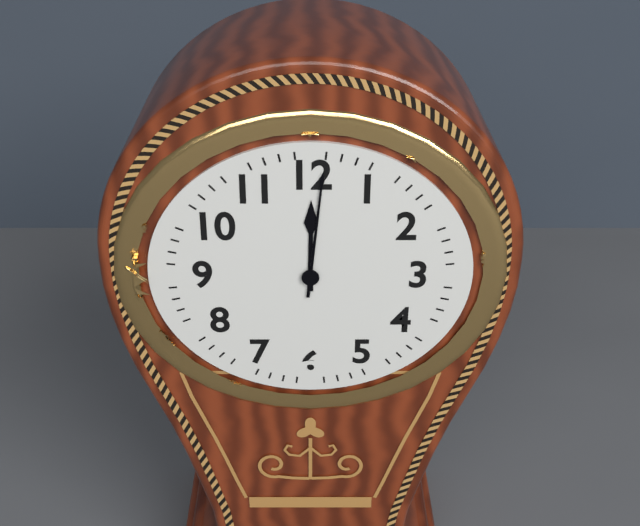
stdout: **12:01**
